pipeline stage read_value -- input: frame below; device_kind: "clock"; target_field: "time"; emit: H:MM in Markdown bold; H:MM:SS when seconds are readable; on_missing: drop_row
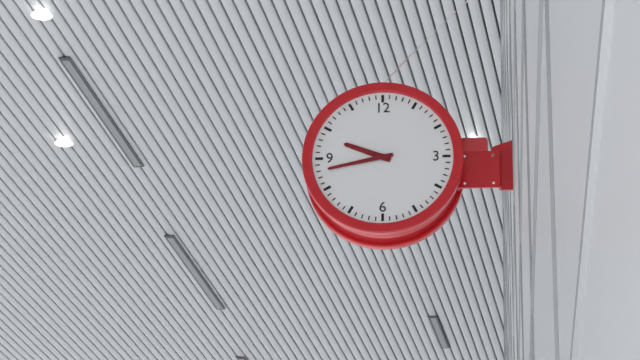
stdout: **9:43**
